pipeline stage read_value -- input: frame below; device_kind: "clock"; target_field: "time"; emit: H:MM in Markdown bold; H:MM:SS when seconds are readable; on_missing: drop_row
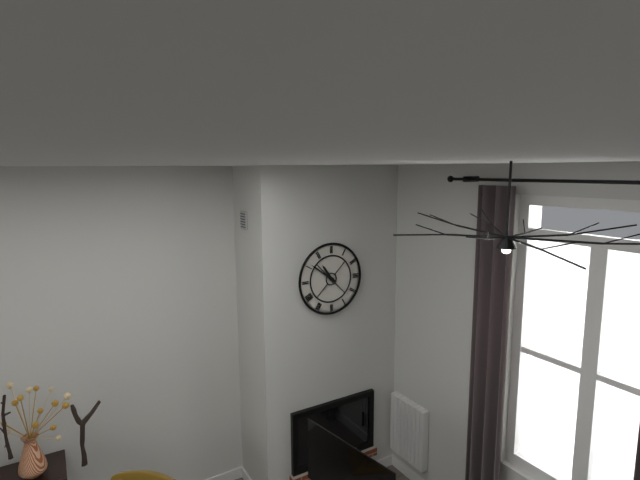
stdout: **10:51**
